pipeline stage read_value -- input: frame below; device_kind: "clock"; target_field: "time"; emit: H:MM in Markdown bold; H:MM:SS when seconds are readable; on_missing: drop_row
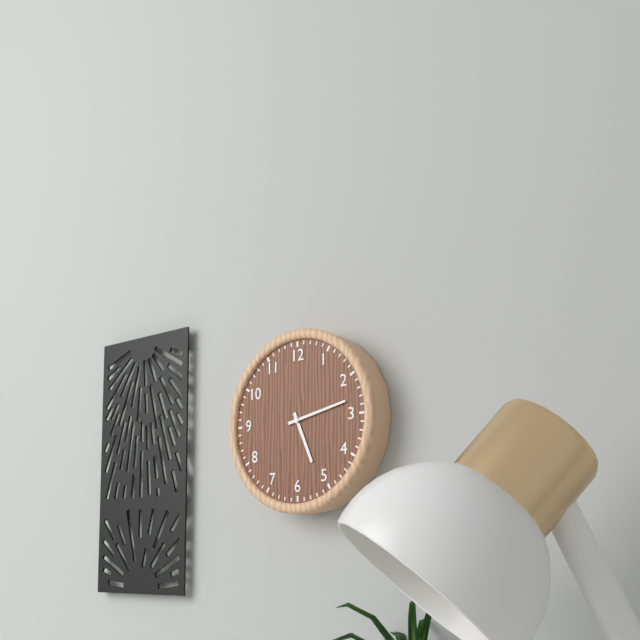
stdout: **5:13**
